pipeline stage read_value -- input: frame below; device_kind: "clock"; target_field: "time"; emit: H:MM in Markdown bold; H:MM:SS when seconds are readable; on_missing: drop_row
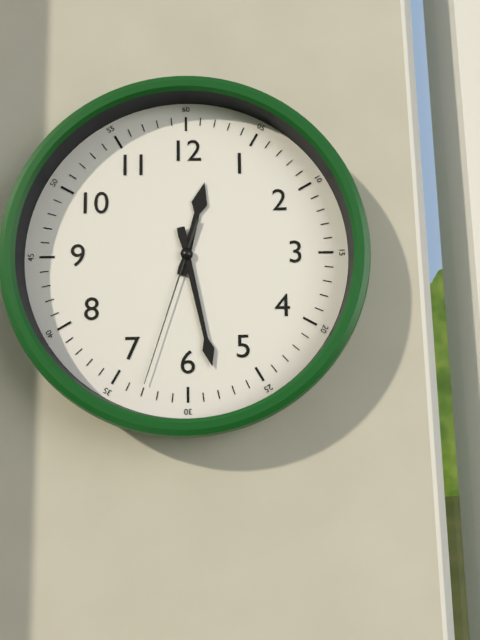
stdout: **12:28:33**
